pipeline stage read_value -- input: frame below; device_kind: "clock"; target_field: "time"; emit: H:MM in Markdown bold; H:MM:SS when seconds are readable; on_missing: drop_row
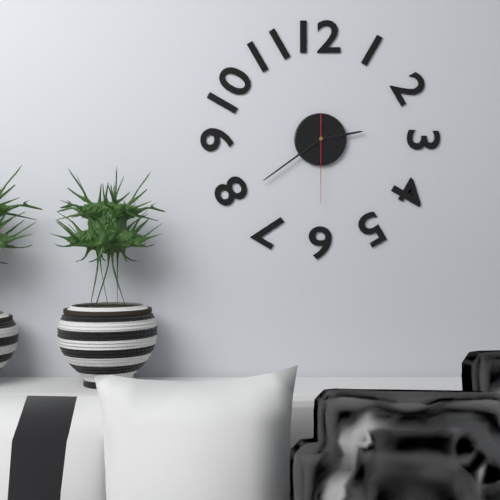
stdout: **2:39:30**
